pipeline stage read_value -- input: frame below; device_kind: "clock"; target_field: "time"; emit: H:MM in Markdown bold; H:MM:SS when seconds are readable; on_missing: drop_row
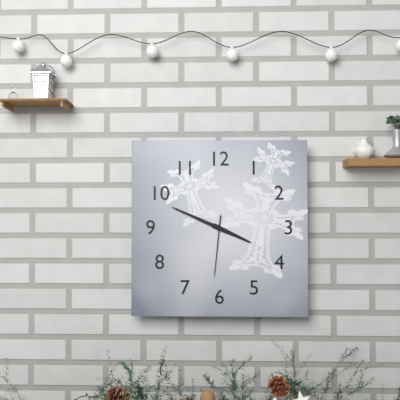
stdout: **3:49:31**
